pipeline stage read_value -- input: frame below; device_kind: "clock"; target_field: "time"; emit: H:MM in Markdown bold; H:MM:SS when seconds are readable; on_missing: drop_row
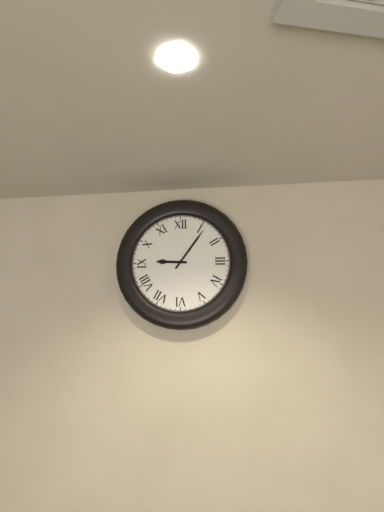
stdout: **9:06**
